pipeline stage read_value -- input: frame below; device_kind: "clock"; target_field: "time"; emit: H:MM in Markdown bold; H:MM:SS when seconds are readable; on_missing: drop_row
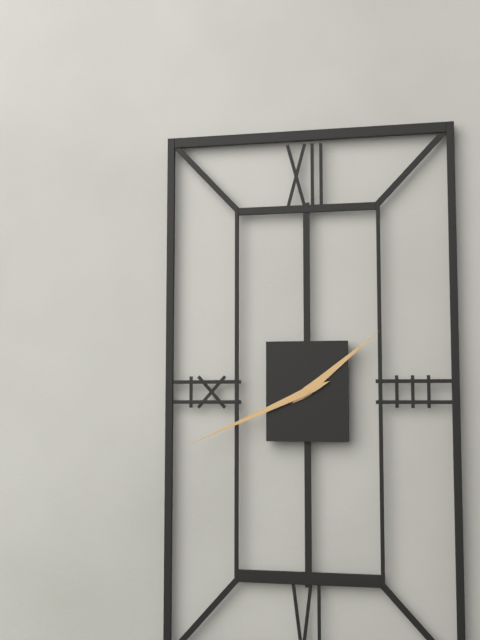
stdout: **1:41**
